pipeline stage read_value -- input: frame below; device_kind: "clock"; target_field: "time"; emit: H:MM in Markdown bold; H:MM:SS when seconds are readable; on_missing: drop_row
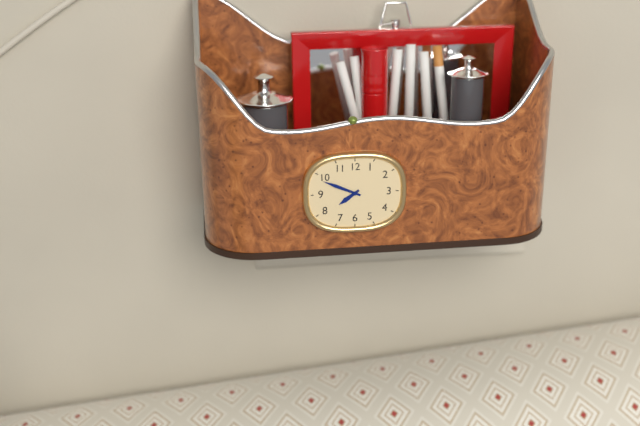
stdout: **7:49**
